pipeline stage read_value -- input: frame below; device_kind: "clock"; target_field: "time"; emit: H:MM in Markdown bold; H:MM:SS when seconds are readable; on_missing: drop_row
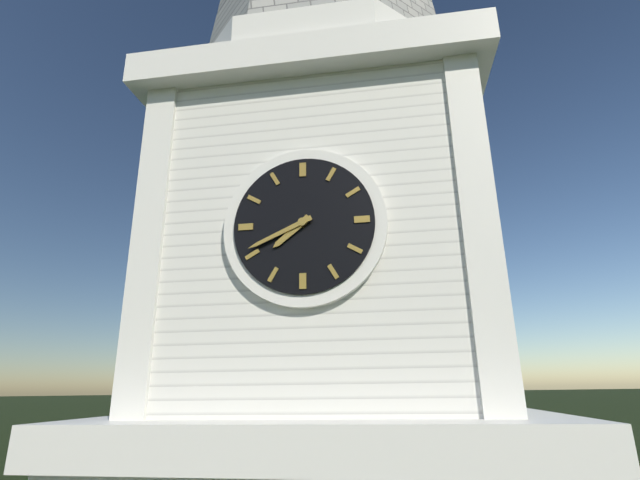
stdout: **7:41**
